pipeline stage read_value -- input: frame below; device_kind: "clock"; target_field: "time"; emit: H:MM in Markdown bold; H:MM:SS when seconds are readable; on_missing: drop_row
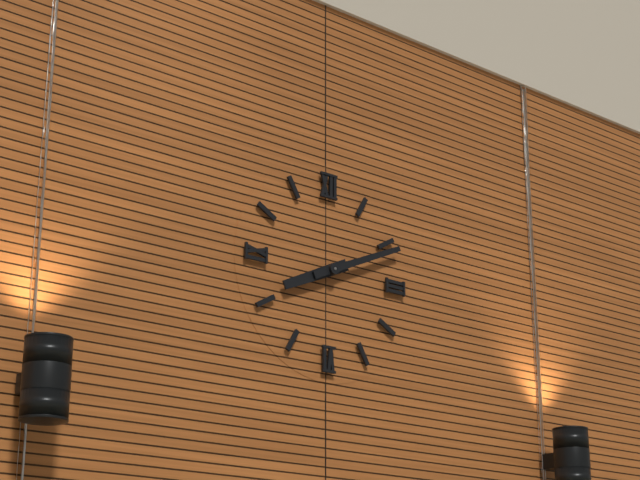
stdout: **8:11**
